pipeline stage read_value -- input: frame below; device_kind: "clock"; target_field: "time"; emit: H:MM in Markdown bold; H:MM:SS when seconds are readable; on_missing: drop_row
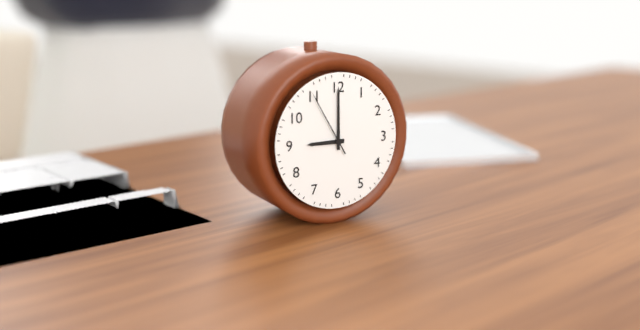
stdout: **9:00:55**
